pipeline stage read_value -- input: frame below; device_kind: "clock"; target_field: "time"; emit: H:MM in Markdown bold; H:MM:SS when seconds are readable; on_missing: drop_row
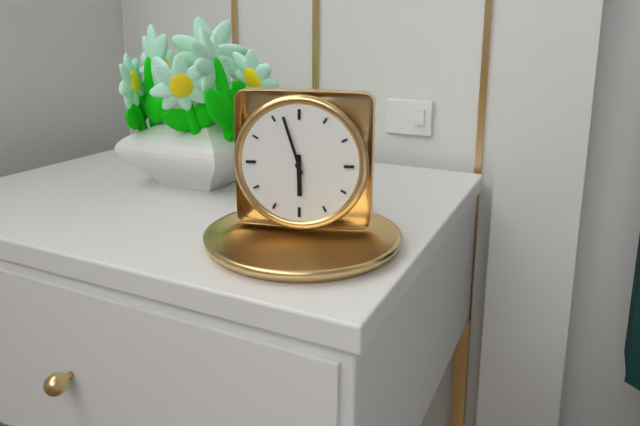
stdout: **5:57**
